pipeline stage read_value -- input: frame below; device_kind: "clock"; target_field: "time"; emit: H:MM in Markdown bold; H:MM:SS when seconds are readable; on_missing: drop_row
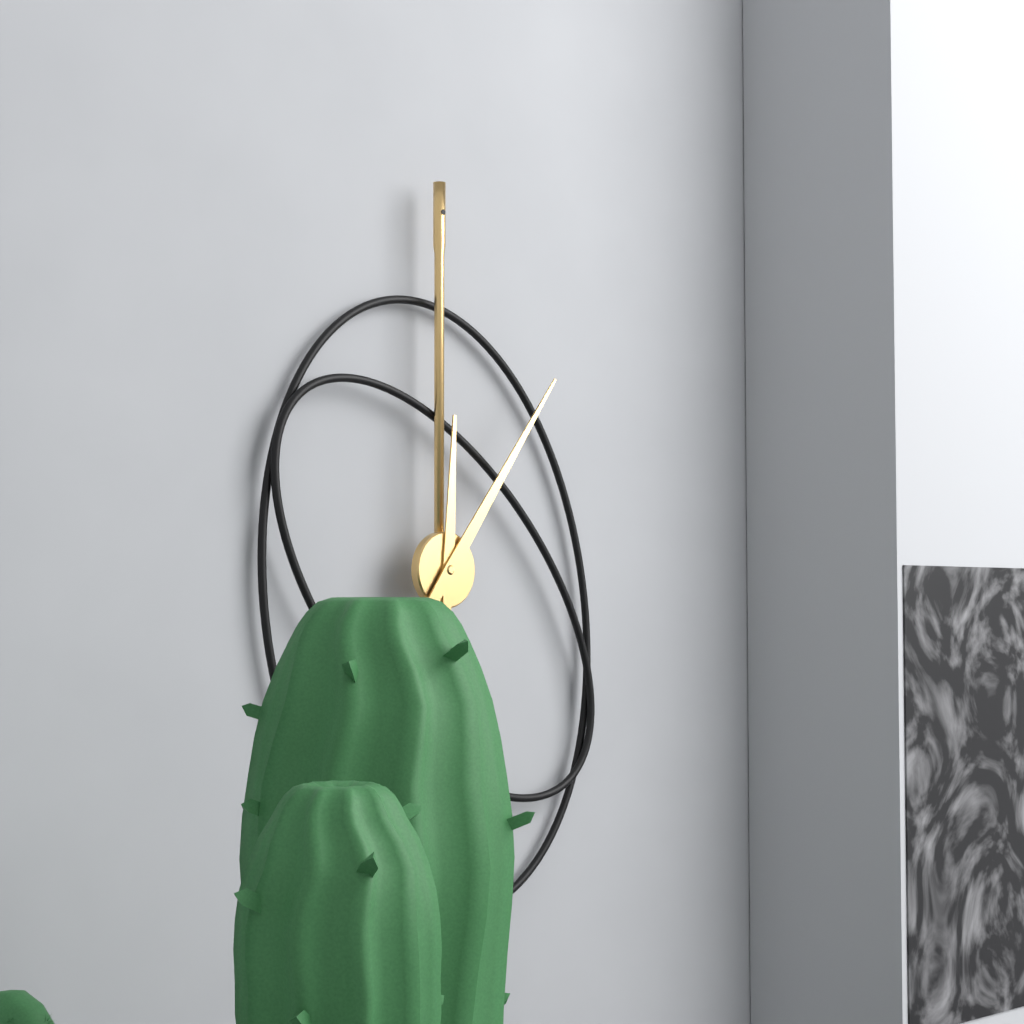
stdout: **12:06**
